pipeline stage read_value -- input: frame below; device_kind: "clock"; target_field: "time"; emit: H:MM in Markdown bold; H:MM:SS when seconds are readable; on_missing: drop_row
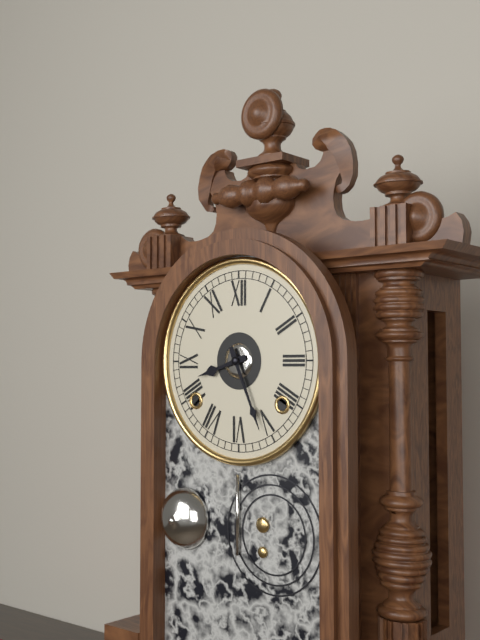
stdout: **8:26**
